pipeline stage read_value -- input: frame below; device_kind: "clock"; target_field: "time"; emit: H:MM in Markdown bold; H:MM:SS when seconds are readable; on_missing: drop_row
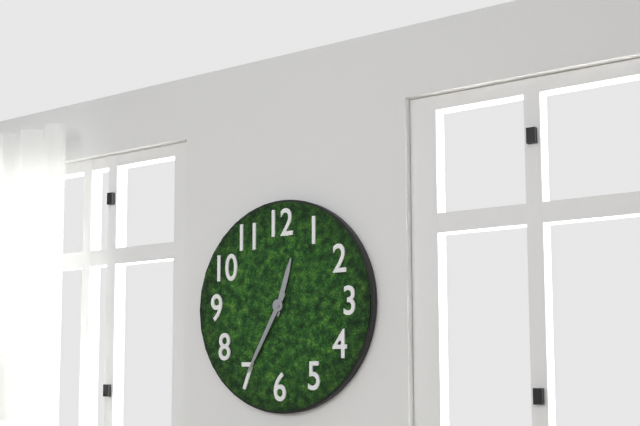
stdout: **12:35**
